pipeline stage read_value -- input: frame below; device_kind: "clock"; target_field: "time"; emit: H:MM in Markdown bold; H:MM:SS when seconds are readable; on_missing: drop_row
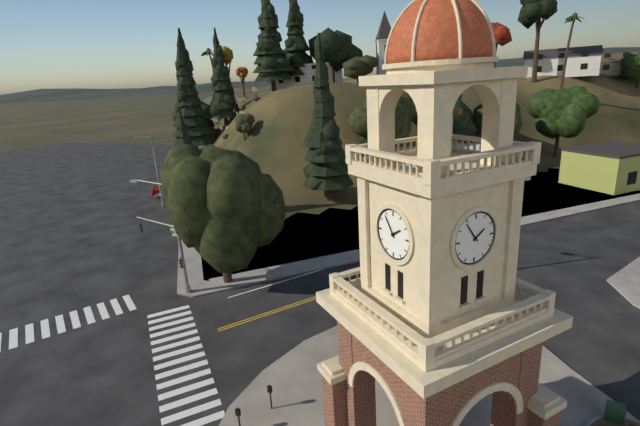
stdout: **1:54**
